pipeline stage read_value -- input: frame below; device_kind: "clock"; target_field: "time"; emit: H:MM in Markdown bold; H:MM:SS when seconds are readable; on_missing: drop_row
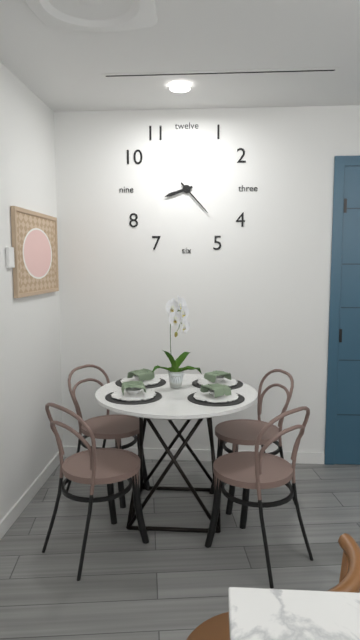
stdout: **8:23**
